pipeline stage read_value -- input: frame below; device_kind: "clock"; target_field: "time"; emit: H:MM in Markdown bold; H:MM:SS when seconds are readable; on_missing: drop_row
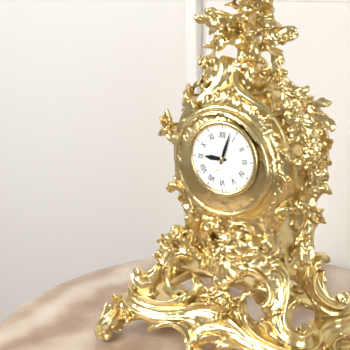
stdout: **9:03**
